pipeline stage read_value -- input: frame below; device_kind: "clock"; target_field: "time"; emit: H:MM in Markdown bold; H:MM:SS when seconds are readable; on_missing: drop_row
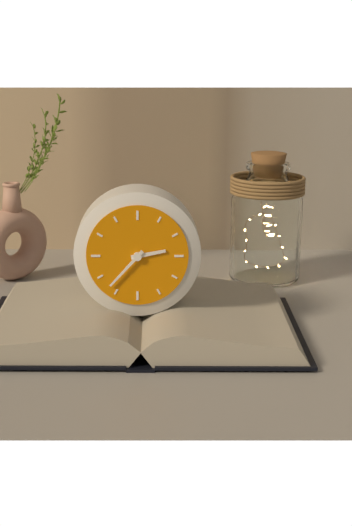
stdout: **2:37**
